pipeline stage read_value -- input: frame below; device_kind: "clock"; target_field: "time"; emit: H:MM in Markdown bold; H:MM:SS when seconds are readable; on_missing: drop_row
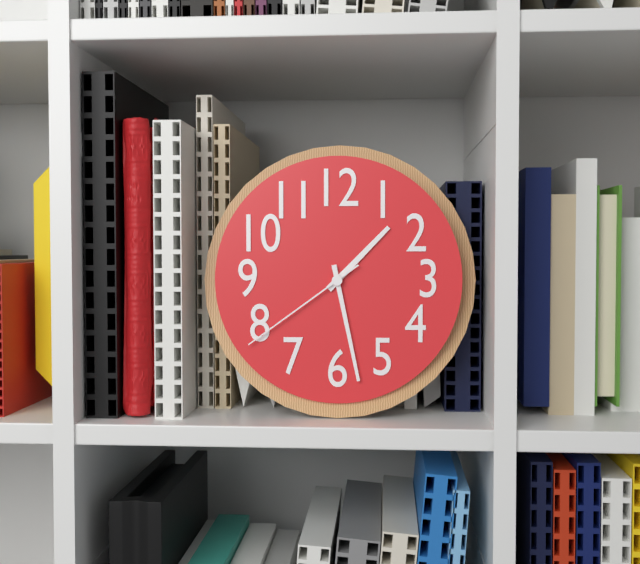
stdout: **1:28:39**
